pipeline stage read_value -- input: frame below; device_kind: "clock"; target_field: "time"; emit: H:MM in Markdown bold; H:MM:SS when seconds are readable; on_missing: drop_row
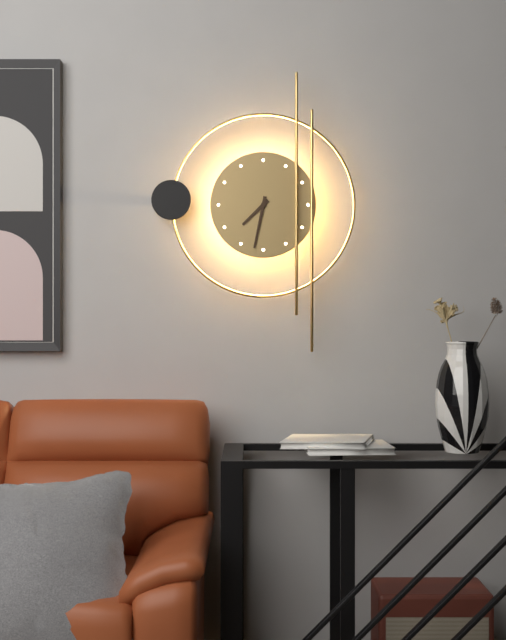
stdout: **7:32**
